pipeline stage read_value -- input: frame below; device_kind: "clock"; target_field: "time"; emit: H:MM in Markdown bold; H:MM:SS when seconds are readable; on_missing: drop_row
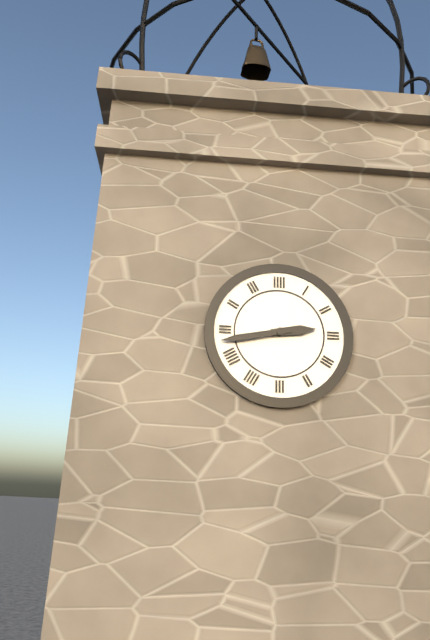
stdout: **2:43**
